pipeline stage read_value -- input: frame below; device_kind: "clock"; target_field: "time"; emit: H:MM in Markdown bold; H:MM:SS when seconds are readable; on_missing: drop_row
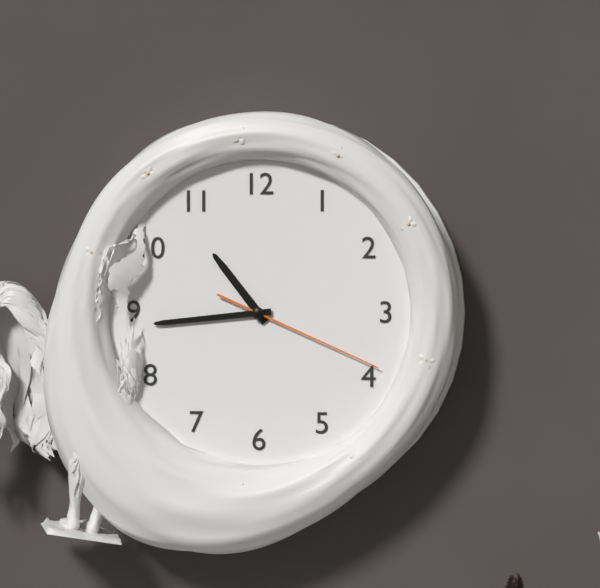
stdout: **10:44:19**
